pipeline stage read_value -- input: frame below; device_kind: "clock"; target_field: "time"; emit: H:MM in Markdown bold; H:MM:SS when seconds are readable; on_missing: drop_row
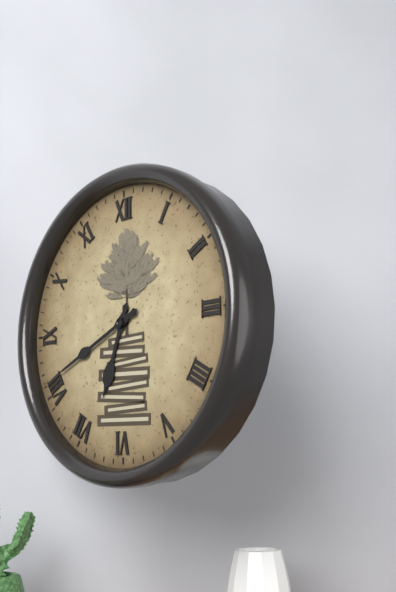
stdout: **6:41**
